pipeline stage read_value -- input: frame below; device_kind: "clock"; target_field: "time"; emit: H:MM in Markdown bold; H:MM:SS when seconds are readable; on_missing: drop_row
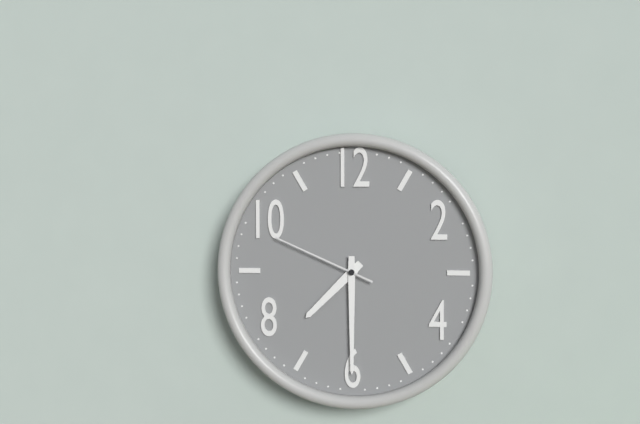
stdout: **7:30:49**
